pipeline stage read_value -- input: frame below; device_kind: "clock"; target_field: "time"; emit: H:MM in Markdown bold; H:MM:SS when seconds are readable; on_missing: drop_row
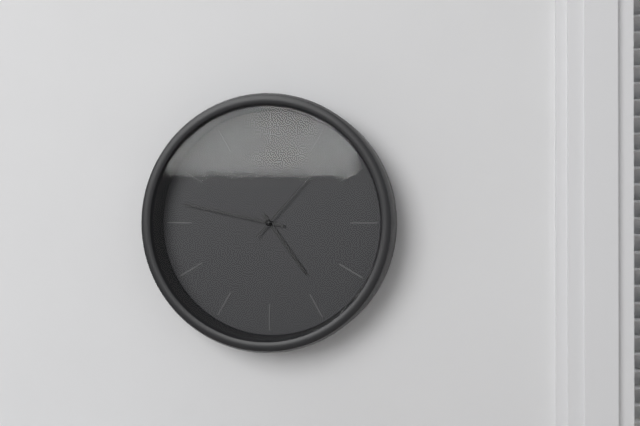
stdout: **4:47:07**
